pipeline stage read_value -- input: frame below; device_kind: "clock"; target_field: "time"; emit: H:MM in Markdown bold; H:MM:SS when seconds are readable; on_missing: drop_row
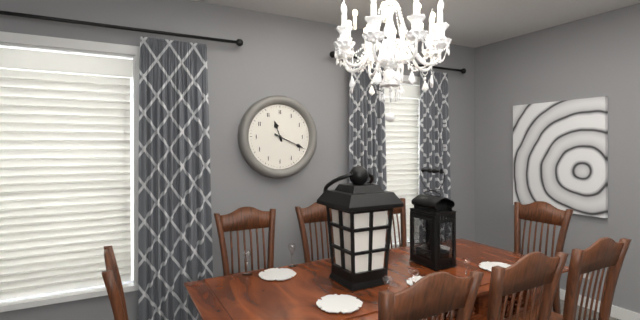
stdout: **11:19**
